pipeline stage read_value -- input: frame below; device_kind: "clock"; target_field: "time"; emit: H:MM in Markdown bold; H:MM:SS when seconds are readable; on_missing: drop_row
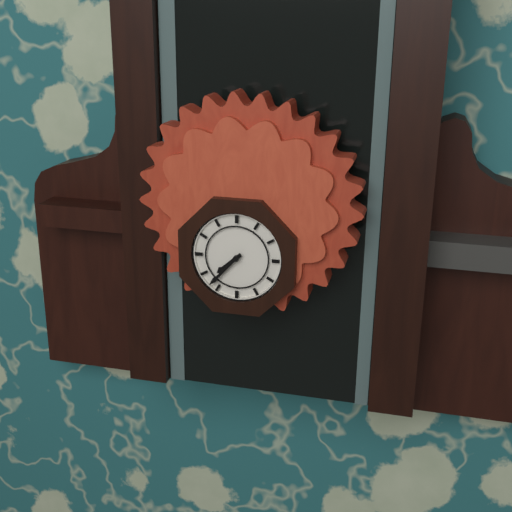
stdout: **7:37**
